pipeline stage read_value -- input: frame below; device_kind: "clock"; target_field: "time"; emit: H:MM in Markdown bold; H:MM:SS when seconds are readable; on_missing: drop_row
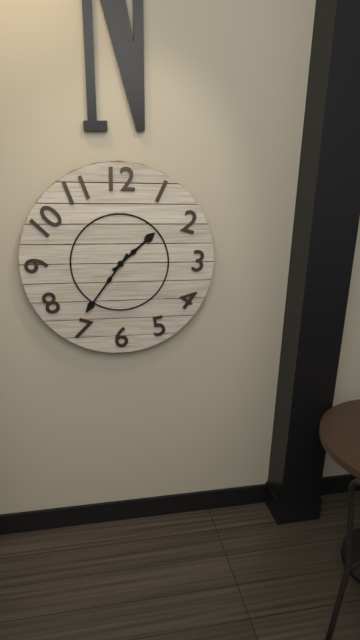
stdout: **1:36**
